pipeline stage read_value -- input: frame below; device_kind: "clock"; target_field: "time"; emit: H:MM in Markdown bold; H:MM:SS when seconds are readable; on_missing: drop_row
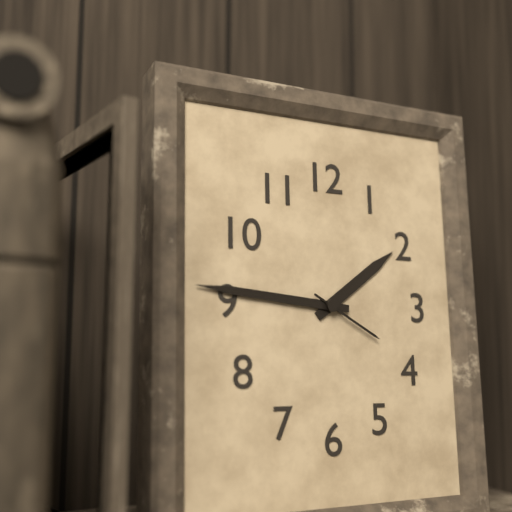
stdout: **1:46:20**
